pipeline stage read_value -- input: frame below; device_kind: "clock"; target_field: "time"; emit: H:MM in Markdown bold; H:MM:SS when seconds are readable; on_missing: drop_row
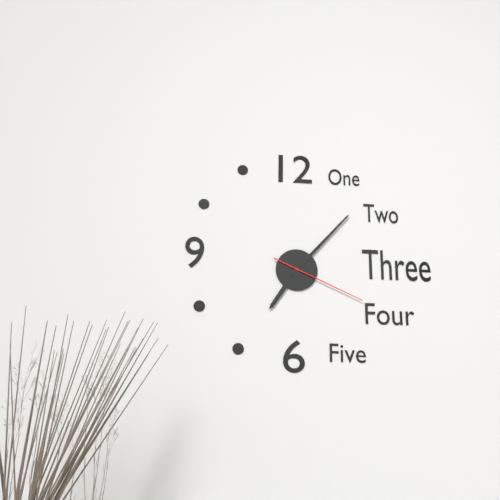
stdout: **7:07:19**
